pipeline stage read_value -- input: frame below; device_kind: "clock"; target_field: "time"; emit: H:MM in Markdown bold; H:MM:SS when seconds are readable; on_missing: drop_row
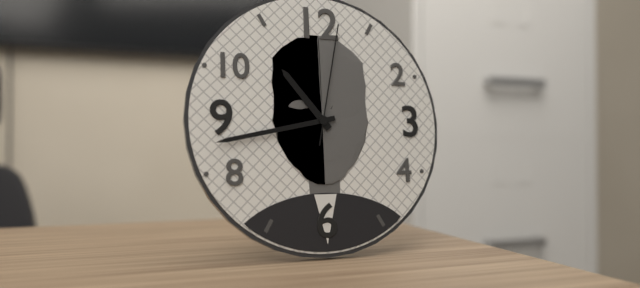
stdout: **10:43:02**
